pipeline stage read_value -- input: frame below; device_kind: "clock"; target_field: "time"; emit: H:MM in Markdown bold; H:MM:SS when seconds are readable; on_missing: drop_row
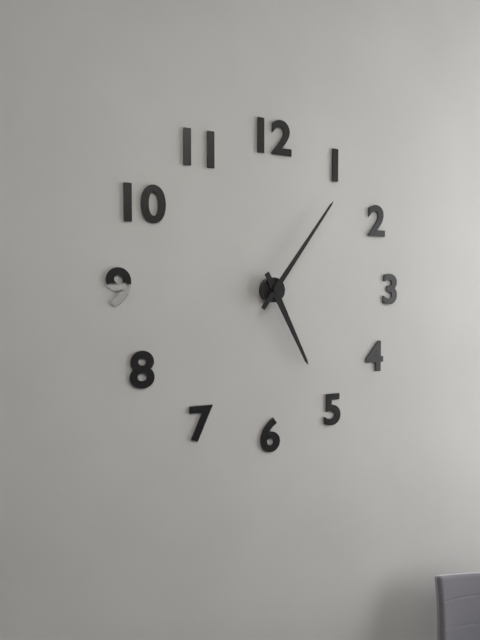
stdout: **5:06**
